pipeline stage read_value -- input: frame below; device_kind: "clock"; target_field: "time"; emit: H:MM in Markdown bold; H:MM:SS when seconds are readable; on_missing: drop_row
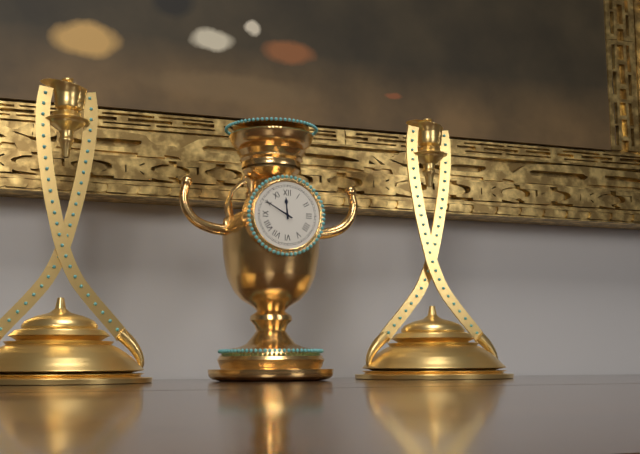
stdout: **11:50**
